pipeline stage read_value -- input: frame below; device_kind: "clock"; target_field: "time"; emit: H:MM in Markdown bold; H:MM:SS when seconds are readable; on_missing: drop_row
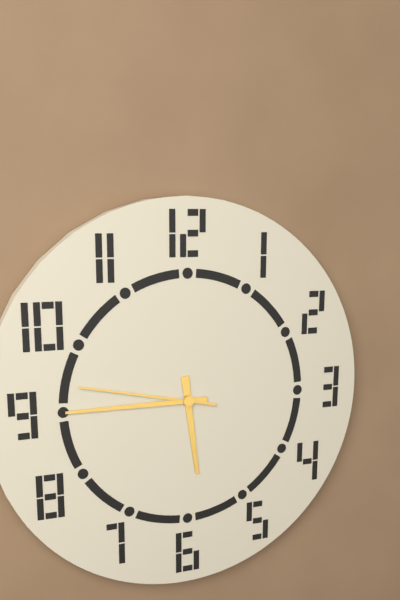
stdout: **5:45:47**
